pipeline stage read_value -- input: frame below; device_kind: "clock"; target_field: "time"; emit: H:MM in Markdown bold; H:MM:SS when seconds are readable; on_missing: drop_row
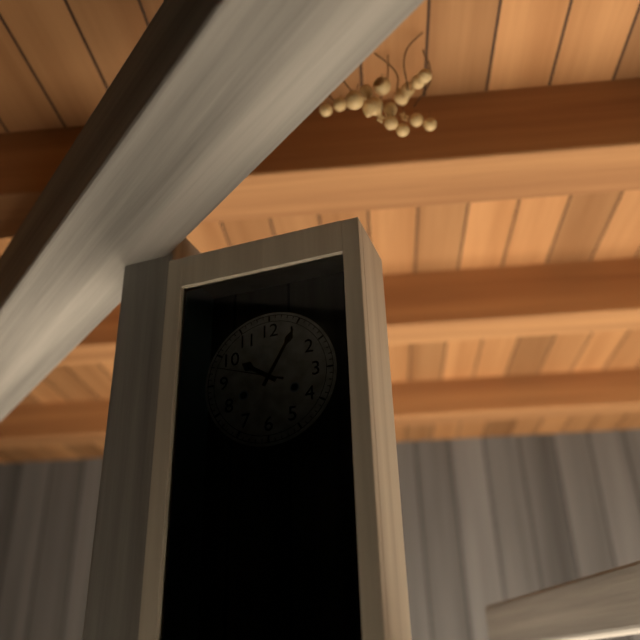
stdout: **10:05:48**
